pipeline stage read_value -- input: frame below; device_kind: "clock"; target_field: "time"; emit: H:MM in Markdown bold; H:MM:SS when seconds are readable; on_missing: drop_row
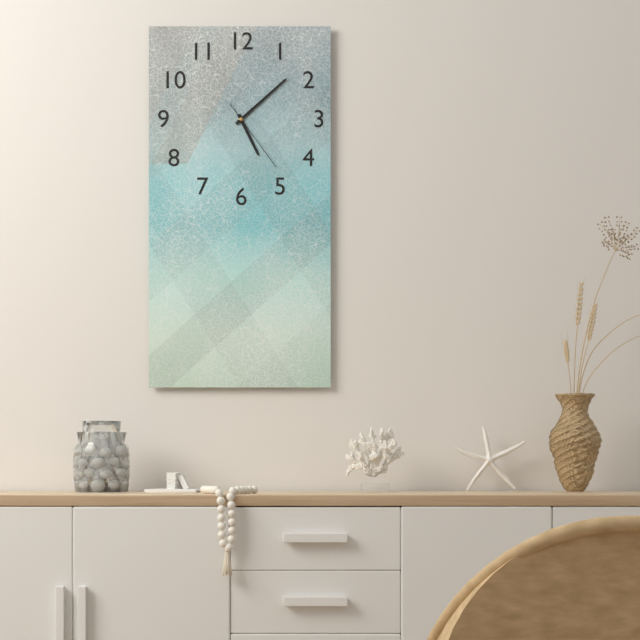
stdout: **5:08:24**
